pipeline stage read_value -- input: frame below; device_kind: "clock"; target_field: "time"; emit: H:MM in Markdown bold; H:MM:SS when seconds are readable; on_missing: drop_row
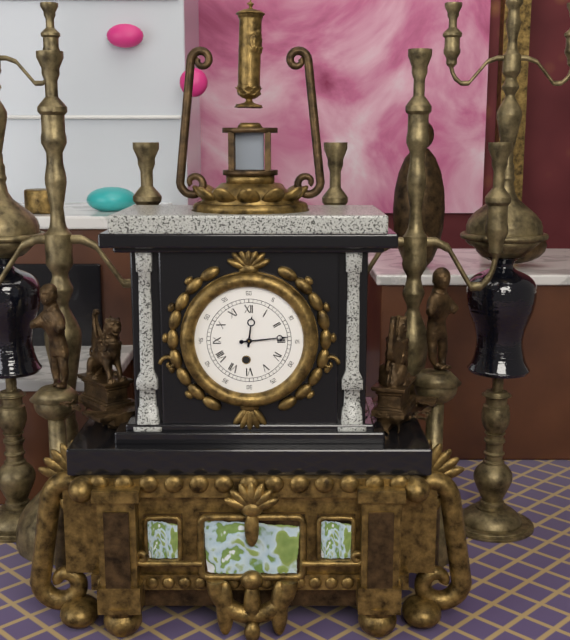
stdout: **12:14**
